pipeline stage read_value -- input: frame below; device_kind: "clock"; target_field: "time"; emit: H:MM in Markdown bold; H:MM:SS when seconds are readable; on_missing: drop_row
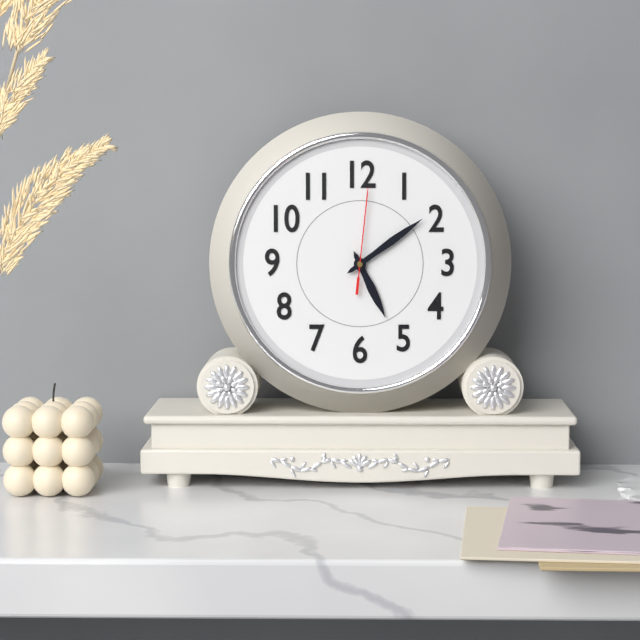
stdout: **5:09:01**
